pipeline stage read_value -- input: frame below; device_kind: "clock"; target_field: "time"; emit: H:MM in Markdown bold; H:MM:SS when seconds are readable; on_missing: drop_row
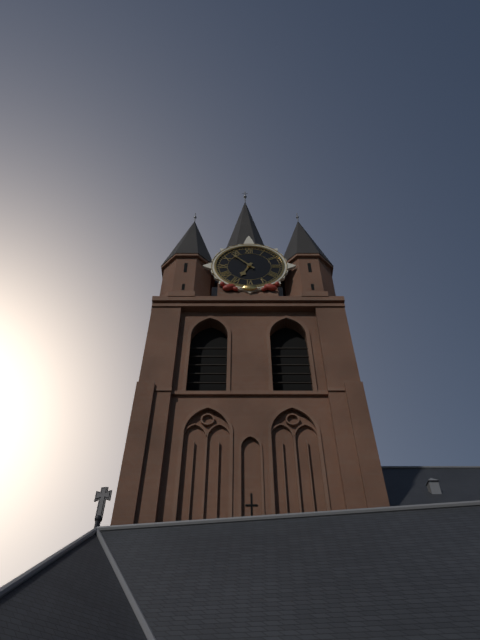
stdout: **6:53**
